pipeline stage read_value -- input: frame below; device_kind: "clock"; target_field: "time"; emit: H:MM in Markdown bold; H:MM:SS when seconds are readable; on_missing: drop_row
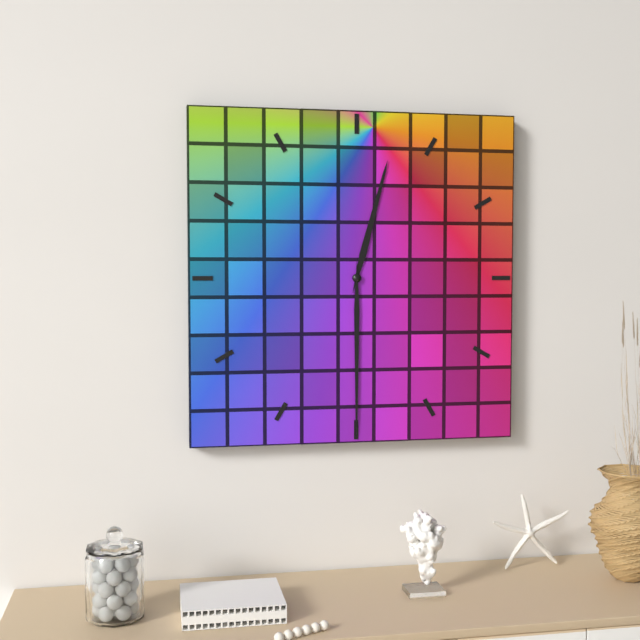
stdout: **12:30**
